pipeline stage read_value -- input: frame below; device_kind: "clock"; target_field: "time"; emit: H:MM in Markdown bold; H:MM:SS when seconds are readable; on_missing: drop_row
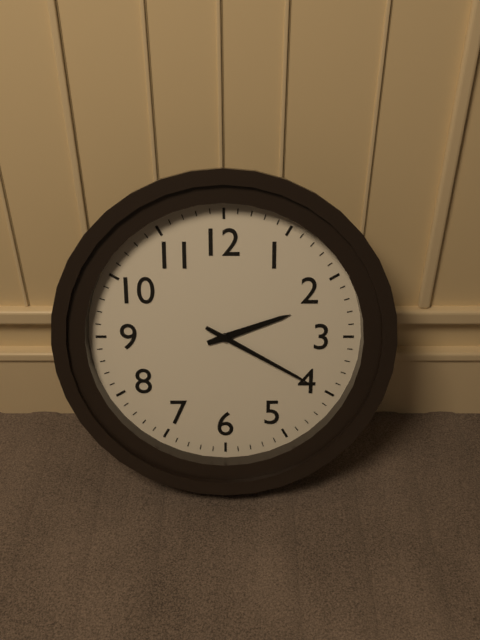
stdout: **2:20**
